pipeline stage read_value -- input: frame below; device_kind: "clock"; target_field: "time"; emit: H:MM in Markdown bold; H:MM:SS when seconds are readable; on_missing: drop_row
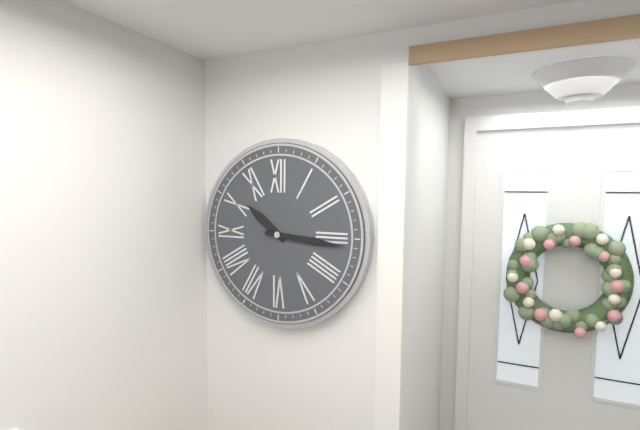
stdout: **10:16**
